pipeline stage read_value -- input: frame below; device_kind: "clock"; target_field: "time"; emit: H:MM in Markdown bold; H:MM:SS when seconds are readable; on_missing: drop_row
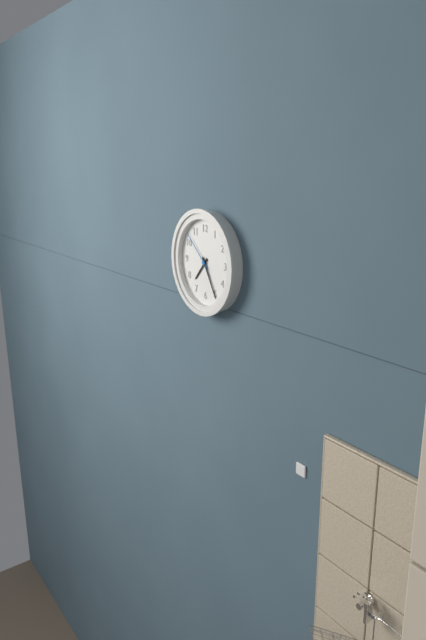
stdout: **7:25**
